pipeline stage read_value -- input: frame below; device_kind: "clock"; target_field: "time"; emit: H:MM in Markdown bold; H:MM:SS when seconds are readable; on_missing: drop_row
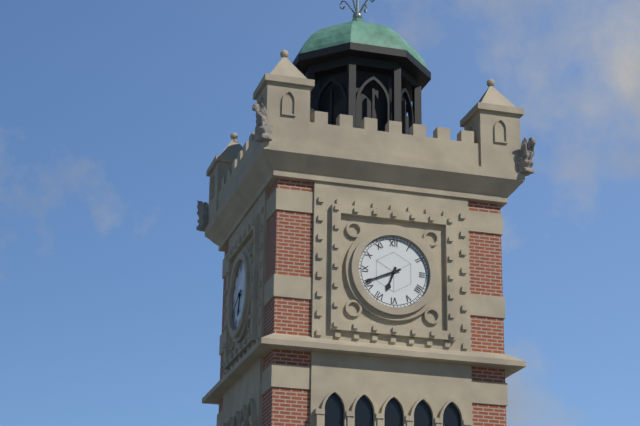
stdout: **6:41**
